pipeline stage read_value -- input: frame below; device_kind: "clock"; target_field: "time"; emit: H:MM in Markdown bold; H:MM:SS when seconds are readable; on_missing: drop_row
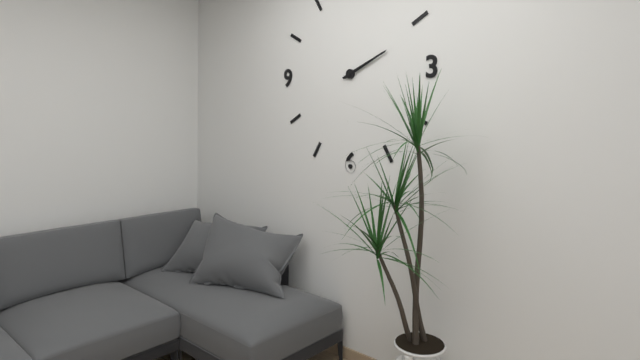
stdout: **2:11**
